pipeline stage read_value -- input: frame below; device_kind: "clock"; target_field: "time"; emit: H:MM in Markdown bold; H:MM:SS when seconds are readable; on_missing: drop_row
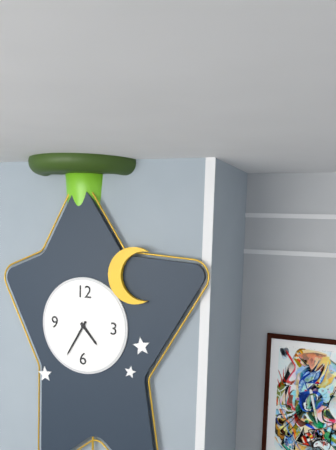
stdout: **4:35**
